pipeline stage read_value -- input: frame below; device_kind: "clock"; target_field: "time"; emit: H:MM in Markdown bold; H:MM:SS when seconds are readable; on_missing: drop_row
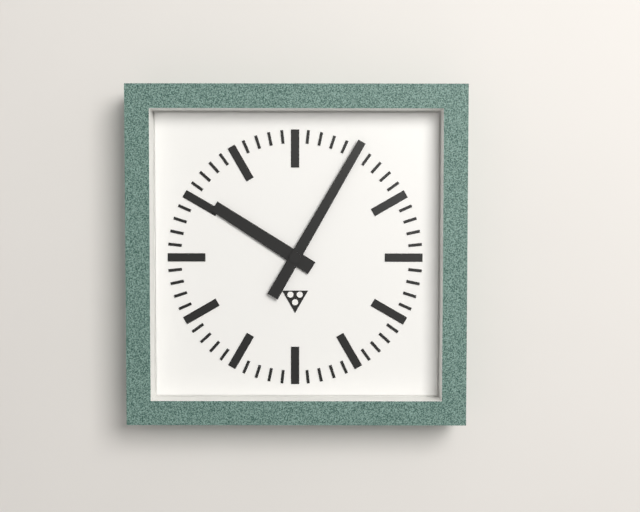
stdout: **10:05**
